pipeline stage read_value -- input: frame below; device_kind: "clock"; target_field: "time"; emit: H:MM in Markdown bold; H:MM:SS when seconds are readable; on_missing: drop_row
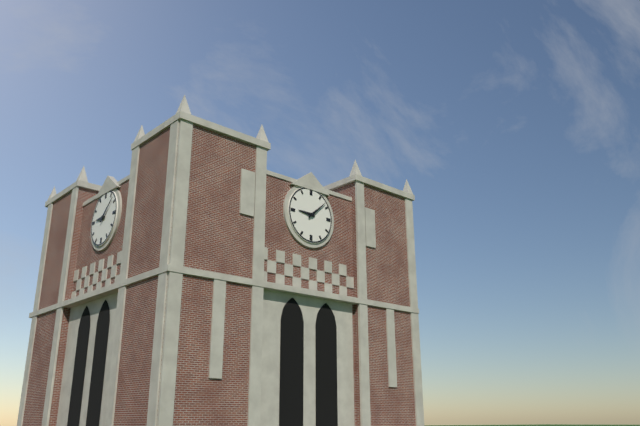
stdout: **9:08**
